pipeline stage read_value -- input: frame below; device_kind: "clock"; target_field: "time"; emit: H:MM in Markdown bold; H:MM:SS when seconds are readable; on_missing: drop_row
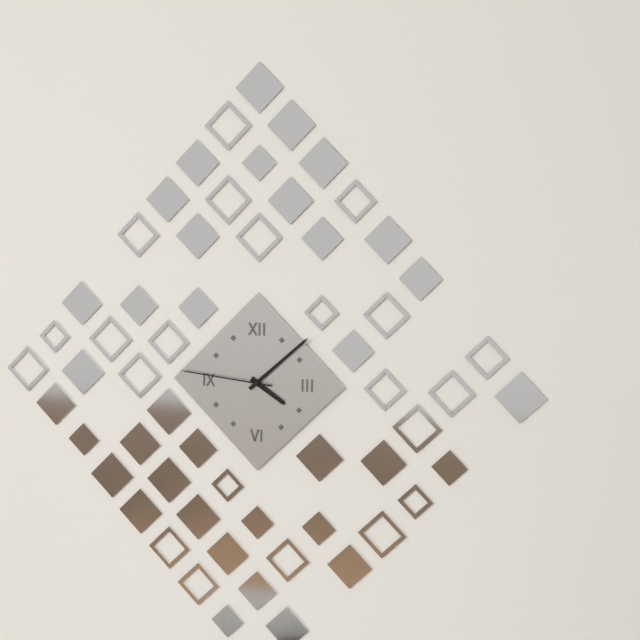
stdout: **4:08:46**
